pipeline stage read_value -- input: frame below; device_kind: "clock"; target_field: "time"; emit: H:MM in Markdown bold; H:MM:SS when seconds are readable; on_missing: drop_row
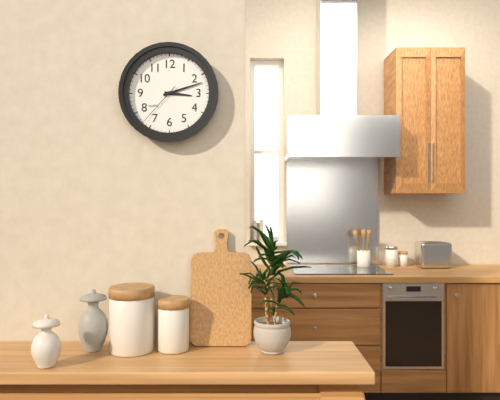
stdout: **3:12**
